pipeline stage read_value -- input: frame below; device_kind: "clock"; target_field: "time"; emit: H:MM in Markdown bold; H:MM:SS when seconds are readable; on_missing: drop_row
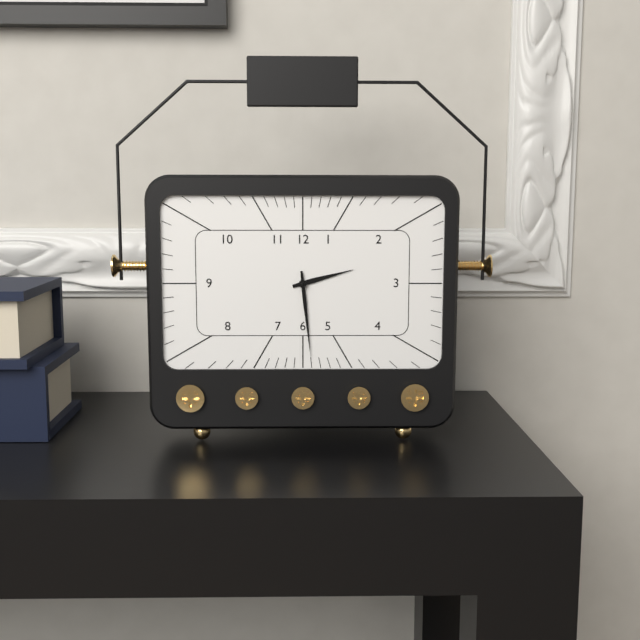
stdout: **2:29**
